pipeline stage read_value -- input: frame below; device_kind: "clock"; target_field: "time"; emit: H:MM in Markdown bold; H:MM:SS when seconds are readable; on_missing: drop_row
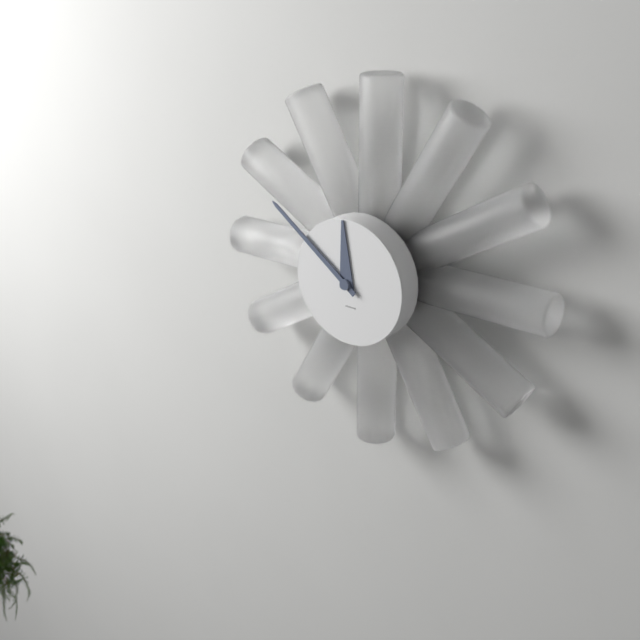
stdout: **11:51**
